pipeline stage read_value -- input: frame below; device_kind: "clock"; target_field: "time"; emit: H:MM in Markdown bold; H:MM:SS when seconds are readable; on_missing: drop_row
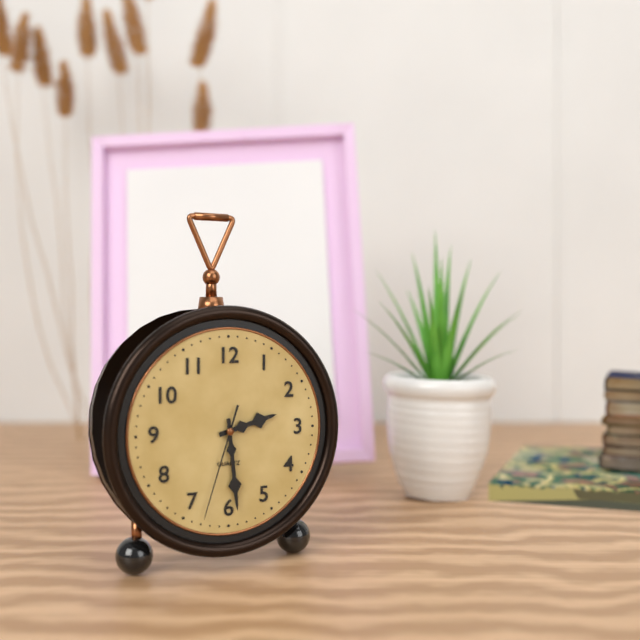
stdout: **2:29:33**
